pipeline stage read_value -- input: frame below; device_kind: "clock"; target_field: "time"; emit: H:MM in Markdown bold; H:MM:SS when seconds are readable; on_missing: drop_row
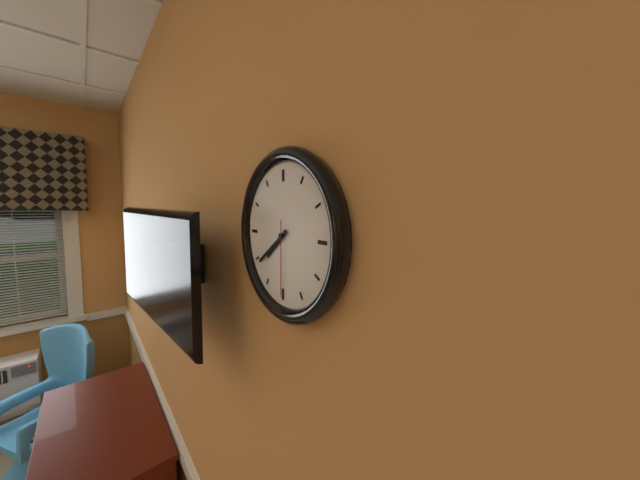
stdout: **7:39:30**
